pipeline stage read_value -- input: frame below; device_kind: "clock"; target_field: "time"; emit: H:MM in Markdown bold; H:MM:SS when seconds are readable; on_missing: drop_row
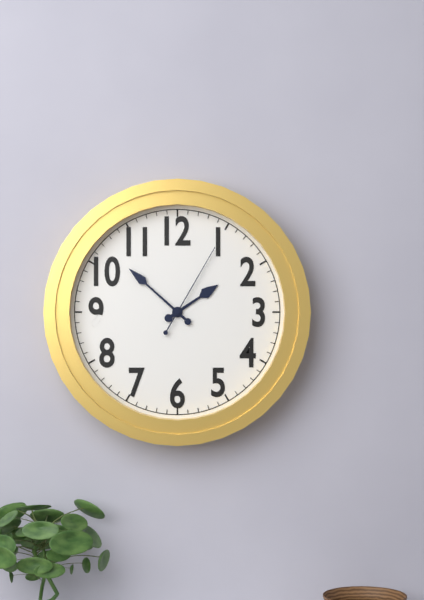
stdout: **1:52:05**
